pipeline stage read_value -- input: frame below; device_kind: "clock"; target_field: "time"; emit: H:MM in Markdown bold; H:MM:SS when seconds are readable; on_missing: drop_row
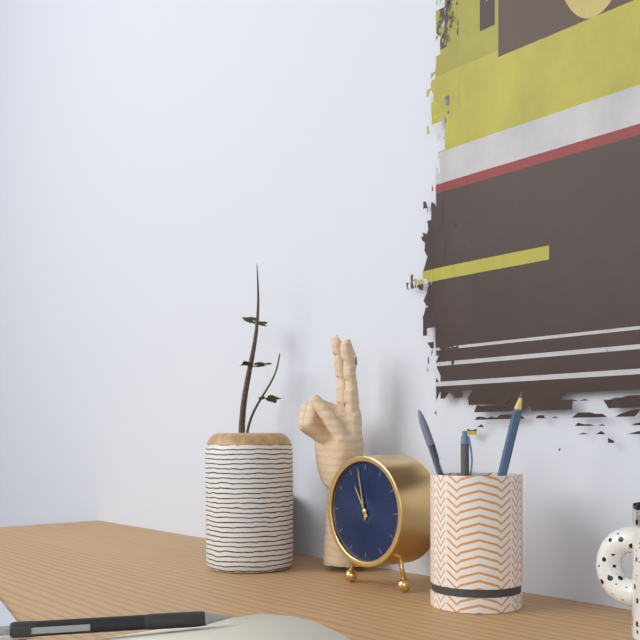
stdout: **10:58**
